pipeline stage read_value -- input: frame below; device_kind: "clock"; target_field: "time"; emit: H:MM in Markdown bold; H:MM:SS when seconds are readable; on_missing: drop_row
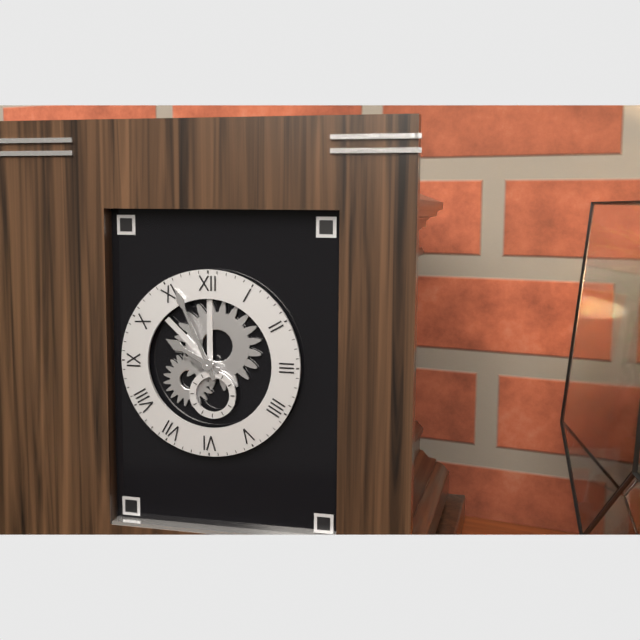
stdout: **9:56**
